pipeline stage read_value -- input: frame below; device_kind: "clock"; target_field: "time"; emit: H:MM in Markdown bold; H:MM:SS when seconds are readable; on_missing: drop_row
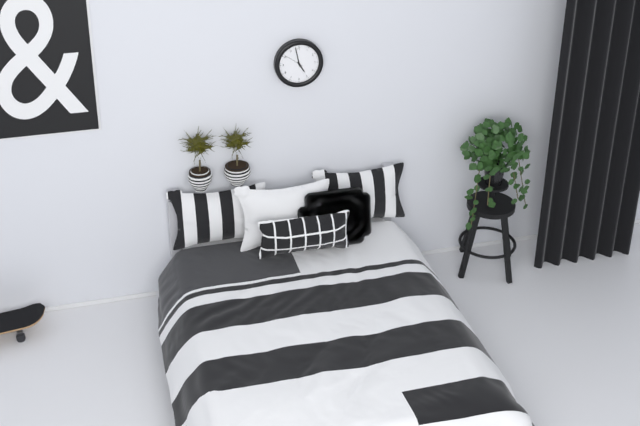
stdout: **4:58**
